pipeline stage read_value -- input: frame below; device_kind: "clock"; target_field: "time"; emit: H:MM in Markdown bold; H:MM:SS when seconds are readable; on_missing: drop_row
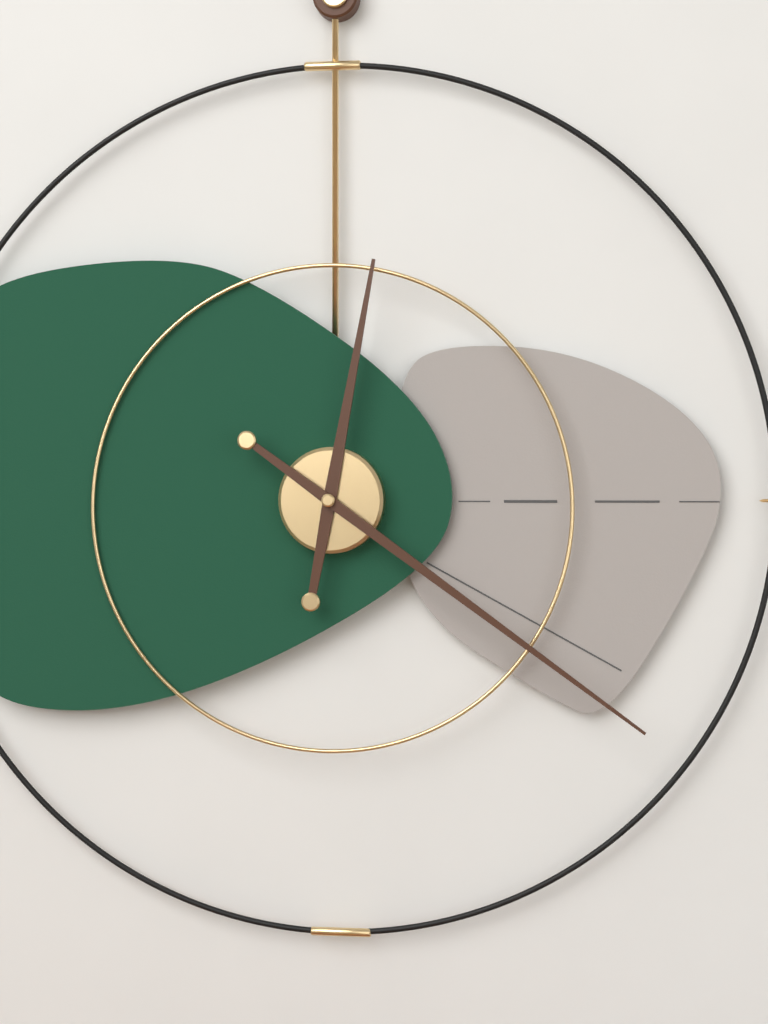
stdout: **12:21**
